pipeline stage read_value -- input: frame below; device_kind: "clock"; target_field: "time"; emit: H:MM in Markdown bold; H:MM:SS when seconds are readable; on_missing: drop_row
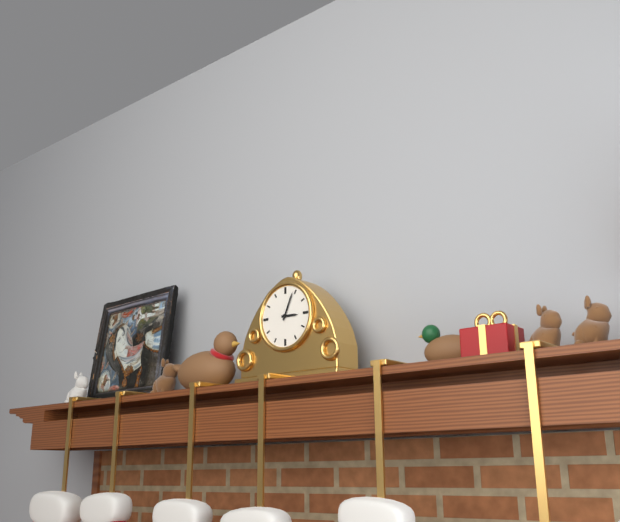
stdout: **3:04**
